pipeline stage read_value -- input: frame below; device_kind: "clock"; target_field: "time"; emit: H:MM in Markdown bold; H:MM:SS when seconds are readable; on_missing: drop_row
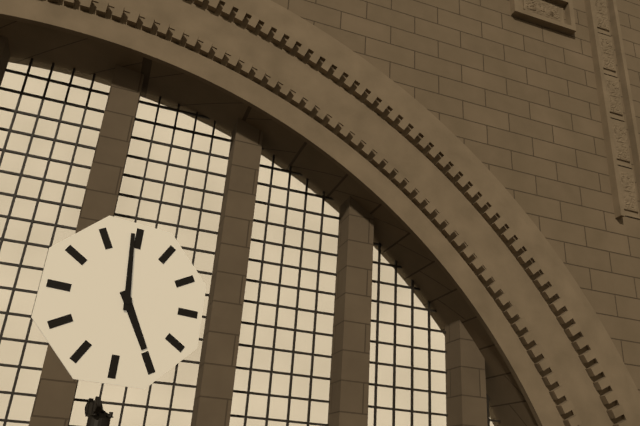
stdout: **4:59**
